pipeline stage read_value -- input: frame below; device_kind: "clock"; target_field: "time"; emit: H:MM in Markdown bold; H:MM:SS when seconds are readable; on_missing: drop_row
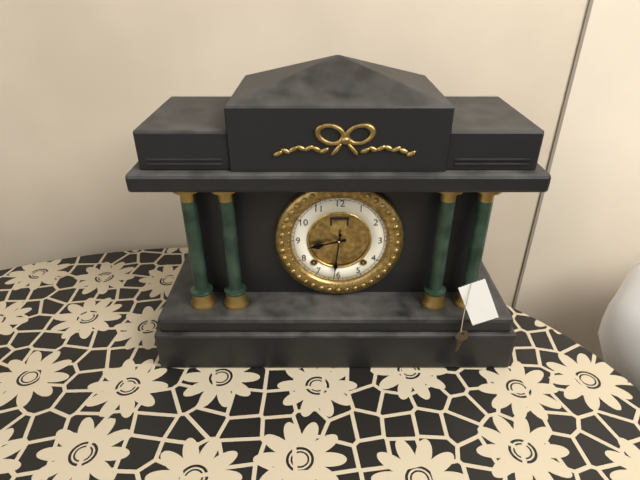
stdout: **8:31**
